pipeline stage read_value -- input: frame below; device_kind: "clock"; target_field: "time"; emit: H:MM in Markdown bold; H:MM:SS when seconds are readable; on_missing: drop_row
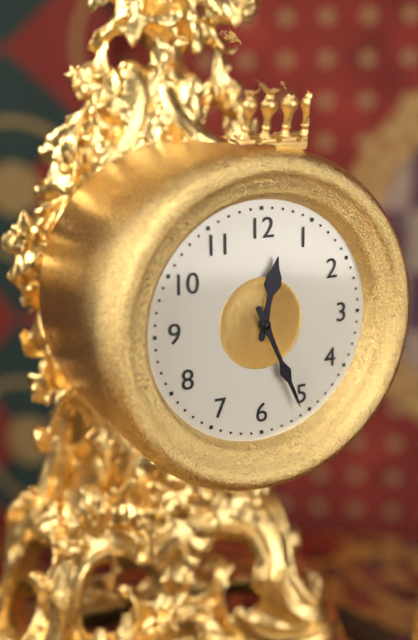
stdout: **12:26**
